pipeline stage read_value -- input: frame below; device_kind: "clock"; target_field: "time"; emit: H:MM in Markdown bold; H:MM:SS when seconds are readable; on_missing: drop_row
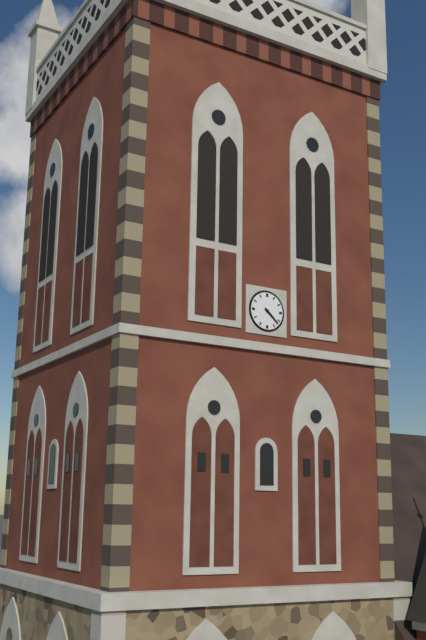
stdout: **4:22**
